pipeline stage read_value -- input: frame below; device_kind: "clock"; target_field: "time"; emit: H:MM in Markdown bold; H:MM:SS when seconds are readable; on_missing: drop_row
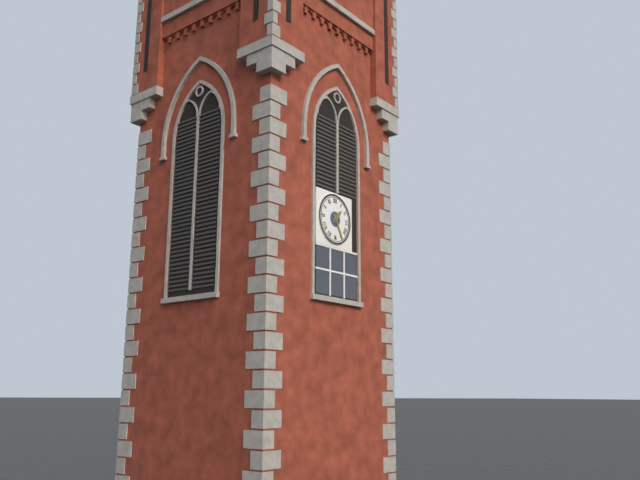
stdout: **1:25**
